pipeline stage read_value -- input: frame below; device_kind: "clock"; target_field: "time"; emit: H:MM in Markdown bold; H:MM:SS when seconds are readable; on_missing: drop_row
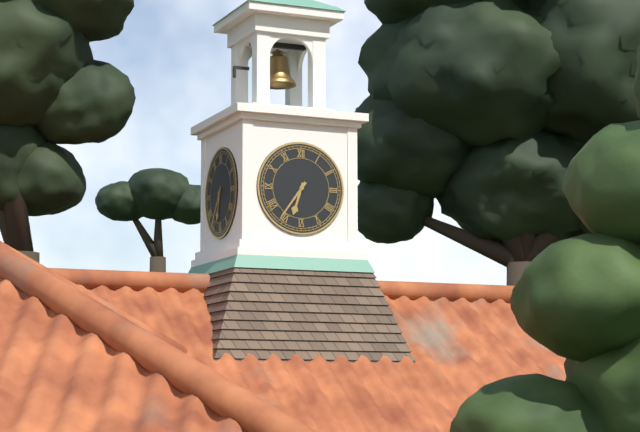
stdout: **6:36**
